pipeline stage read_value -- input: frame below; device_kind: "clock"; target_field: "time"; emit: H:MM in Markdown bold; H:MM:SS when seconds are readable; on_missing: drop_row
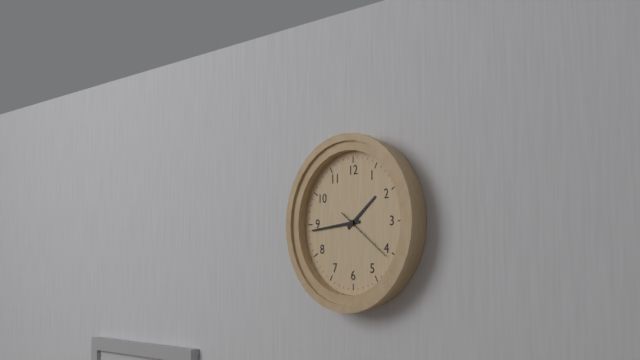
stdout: **1:44:21**
